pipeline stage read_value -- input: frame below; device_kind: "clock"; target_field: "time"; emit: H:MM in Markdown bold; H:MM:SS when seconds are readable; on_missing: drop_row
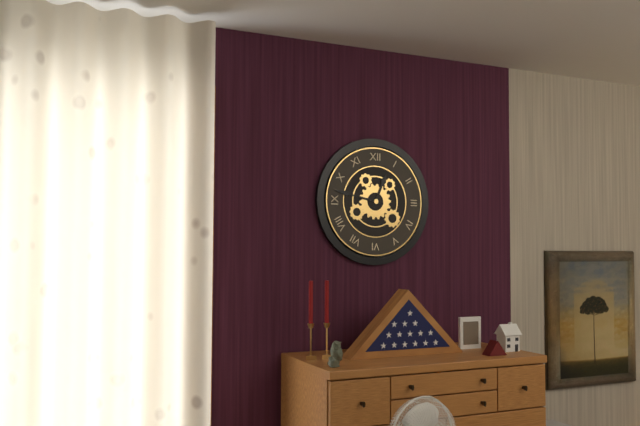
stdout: **12:47**
